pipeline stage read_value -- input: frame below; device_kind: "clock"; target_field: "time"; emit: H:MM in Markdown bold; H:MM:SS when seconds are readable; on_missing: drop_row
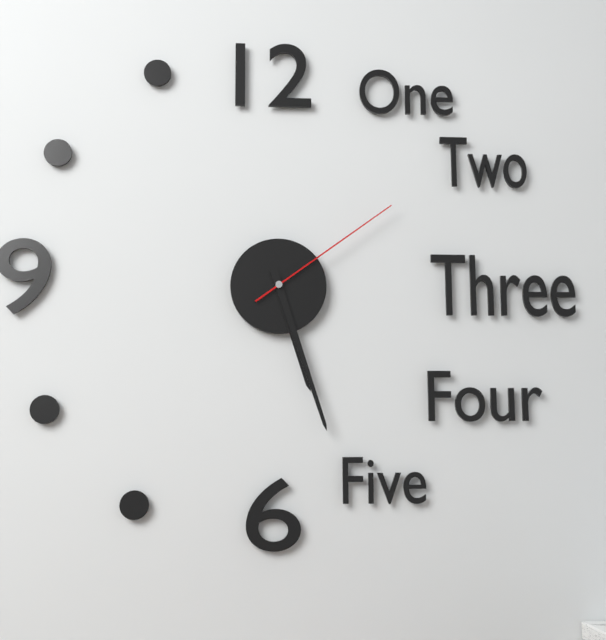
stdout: **5:27:09**
